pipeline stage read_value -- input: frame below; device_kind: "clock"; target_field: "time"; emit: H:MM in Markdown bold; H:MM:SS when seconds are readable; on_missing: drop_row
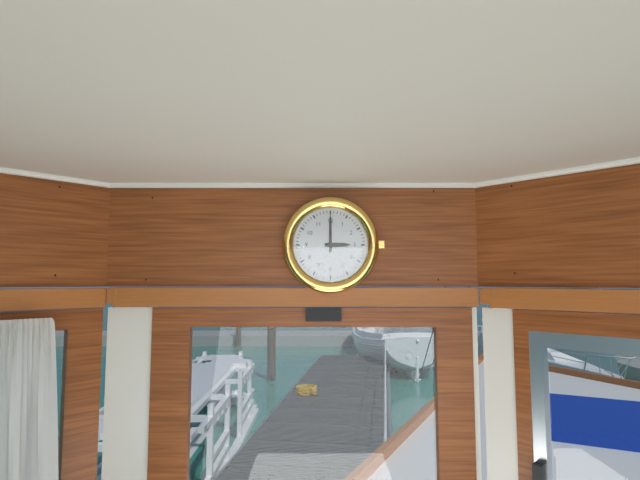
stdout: **3:00**
